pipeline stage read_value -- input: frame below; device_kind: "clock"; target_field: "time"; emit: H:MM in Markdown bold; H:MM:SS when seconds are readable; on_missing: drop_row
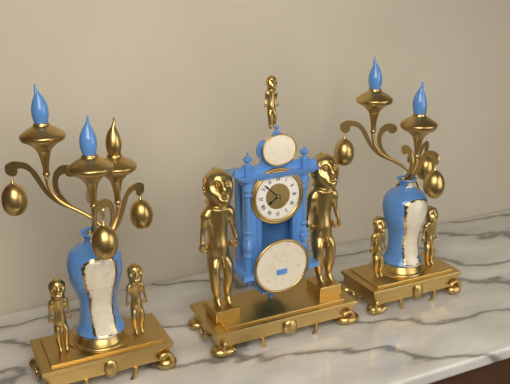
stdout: **7:52**
